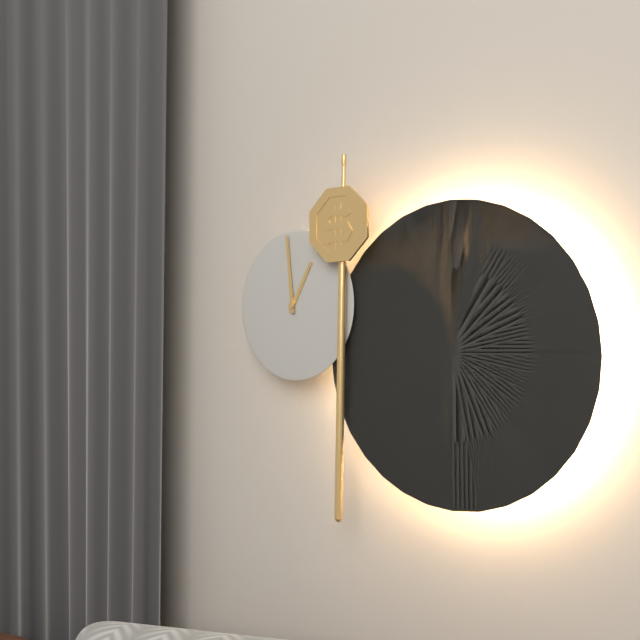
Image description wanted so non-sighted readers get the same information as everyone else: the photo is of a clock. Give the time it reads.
12:59
